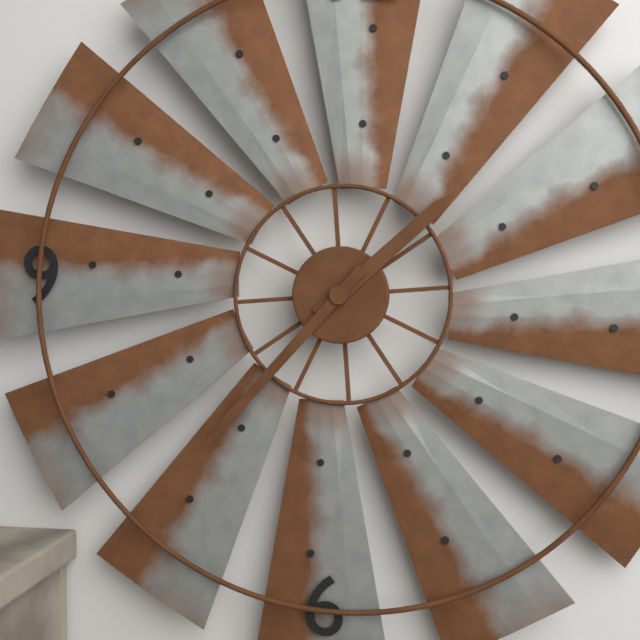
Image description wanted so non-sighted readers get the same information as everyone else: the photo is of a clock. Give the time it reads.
1:37
